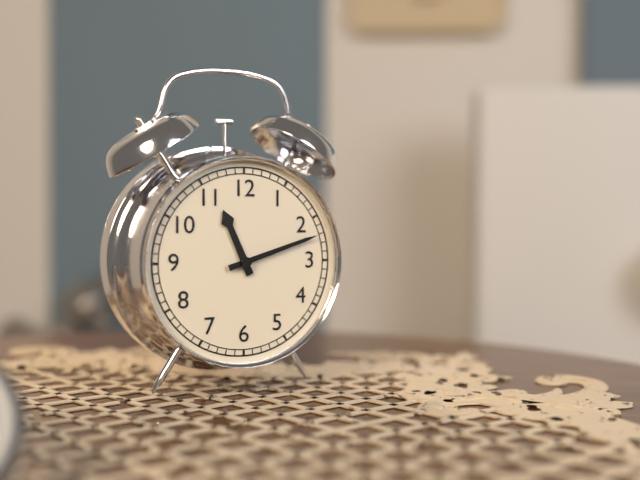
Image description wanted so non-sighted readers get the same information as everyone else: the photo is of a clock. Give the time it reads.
11:12
